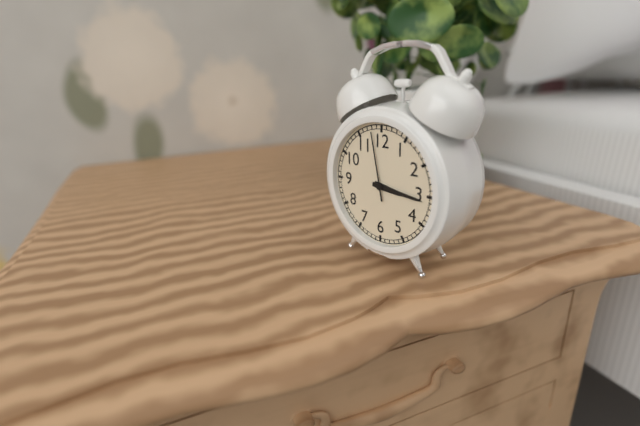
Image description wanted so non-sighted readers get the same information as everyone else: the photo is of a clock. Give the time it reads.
3:16:58
